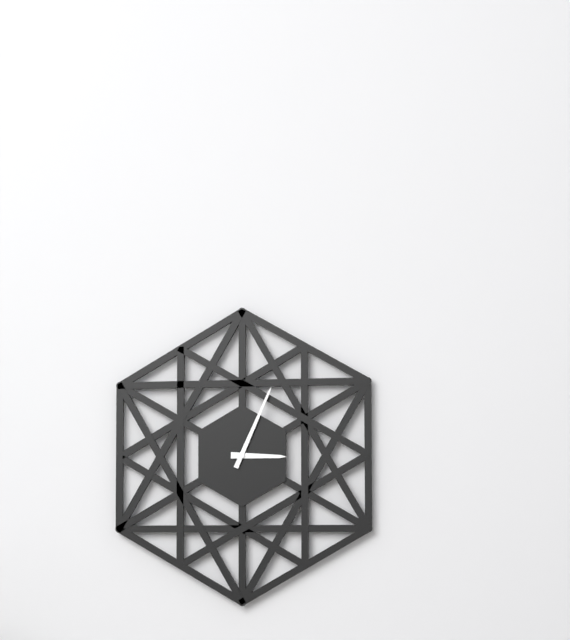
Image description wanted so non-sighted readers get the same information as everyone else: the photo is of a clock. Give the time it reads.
3:04
